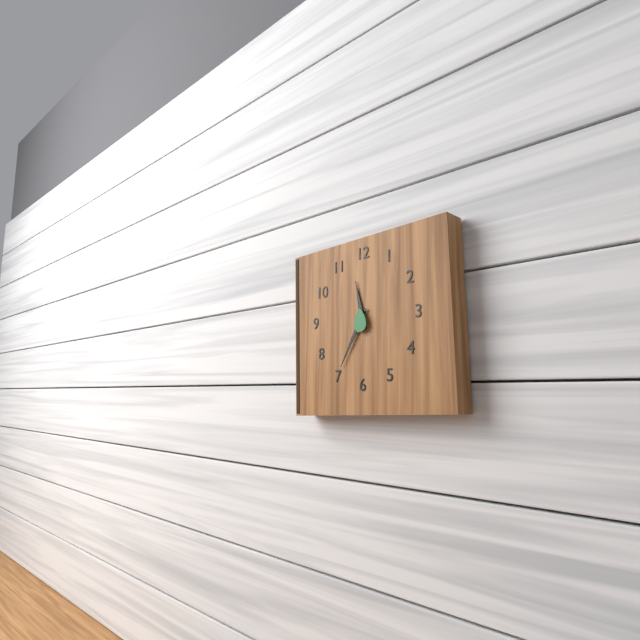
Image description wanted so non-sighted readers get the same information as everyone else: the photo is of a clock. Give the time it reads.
11:35
